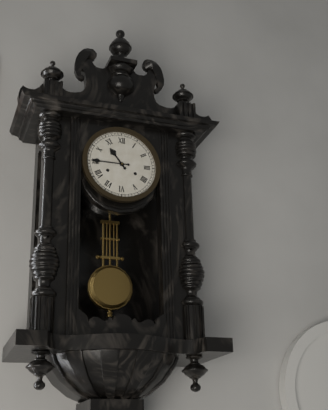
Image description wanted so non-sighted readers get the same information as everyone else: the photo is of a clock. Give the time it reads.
10:45
